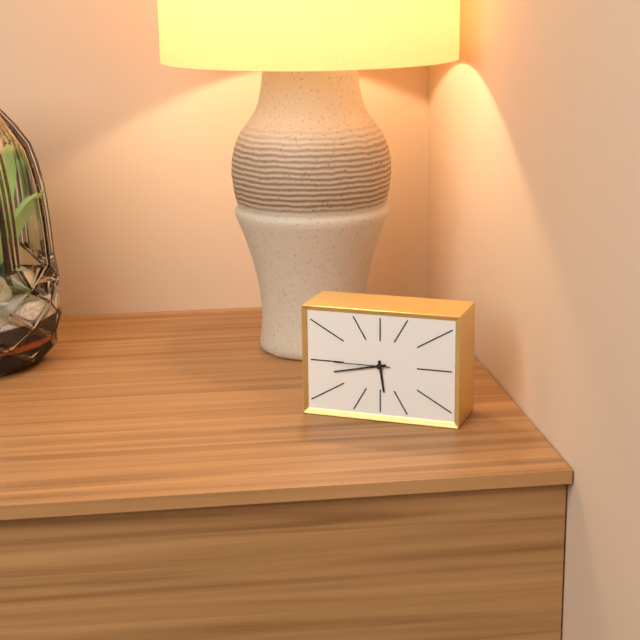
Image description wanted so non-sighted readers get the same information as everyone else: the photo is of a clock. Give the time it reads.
5:43:45
